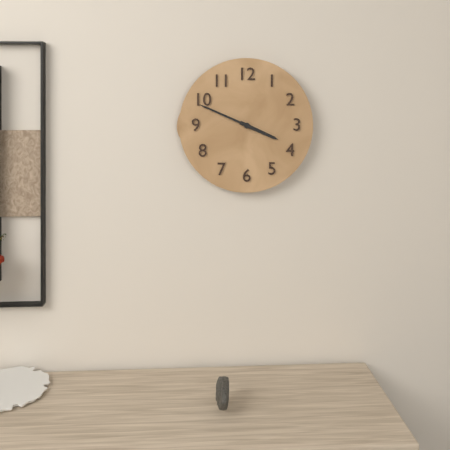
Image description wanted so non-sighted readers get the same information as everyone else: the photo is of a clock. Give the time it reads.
3:49
